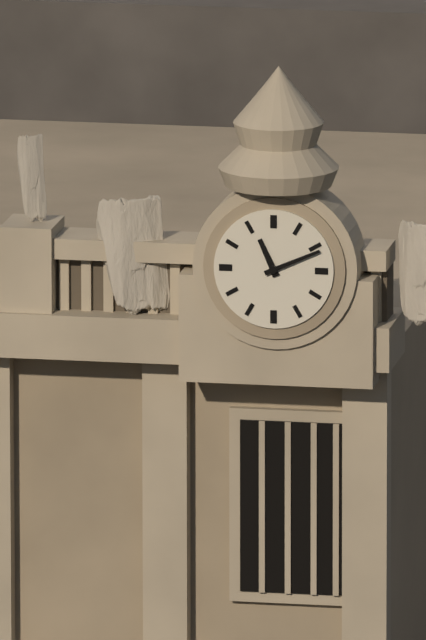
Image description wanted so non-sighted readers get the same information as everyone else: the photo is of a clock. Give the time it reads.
11:11
